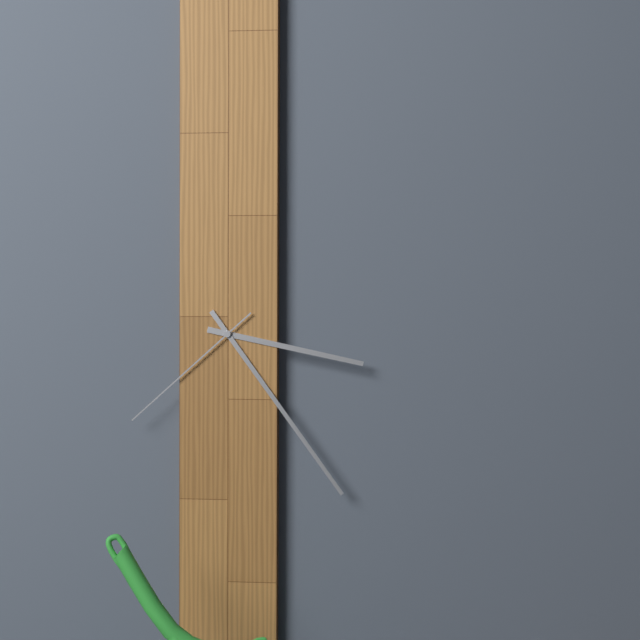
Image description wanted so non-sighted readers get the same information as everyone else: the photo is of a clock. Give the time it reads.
3:24:38
